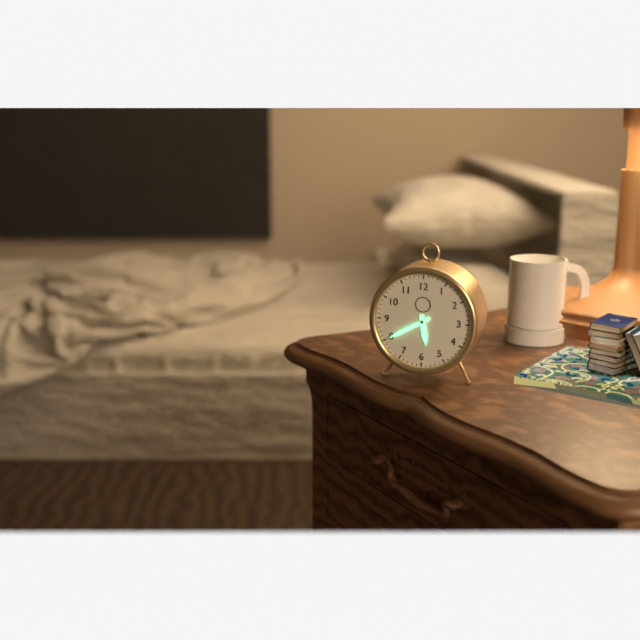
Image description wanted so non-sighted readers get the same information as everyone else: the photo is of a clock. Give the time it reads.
5:40
